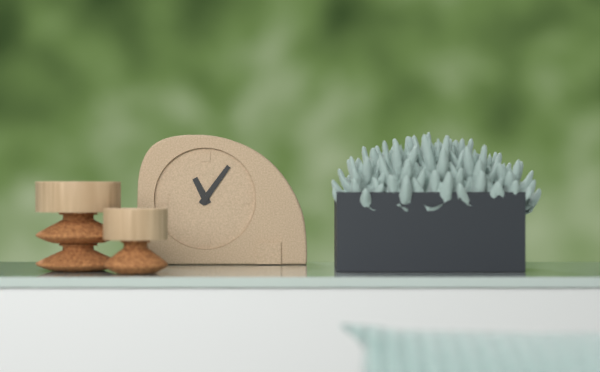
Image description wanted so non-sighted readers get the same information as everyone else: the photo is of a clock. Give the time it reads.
11:06
